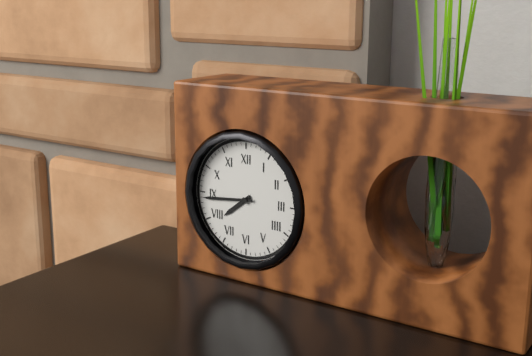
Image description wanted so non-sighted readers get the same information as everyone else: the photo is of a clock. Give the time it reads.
7:44
